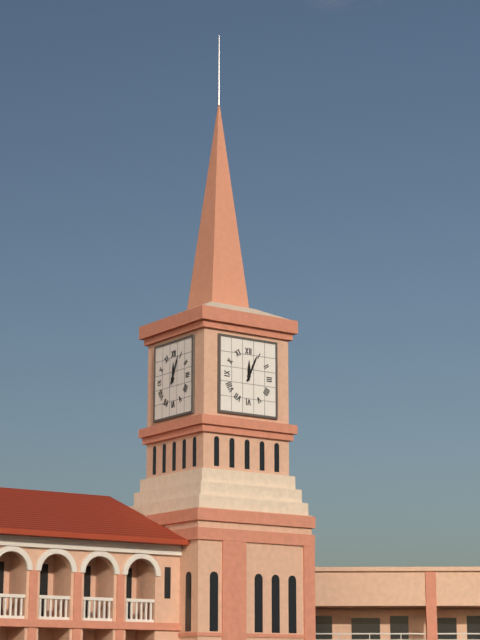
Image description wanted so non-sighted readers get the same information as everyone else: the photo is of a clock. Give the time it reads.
12:04
